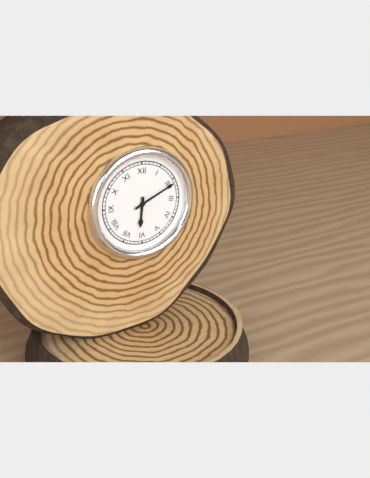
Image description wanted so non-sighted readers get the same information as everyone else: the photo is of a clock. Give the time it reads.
6:11
